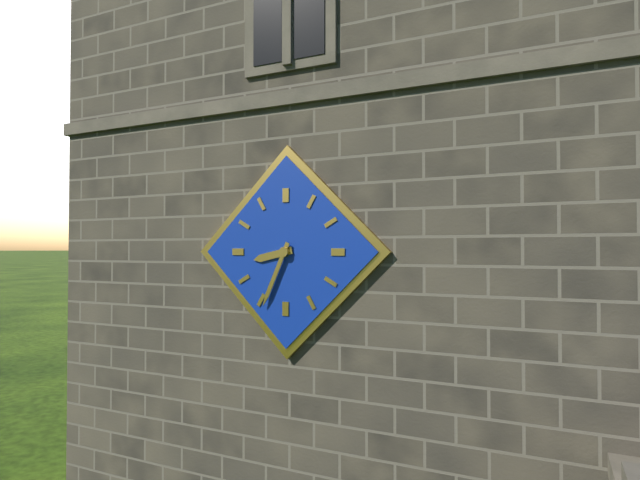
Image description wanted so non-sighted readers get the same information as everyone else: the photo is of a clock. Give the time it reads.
8:34
